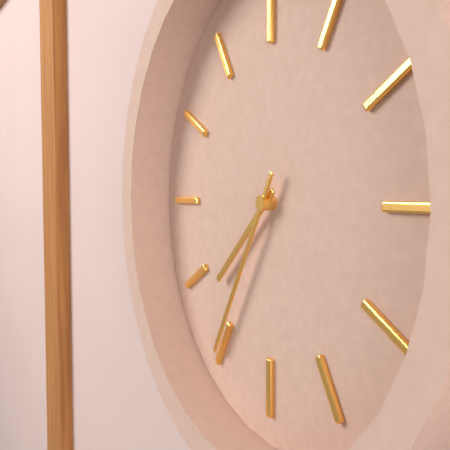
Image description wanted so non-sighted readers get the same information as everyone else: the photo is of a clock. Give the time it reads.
7:35
